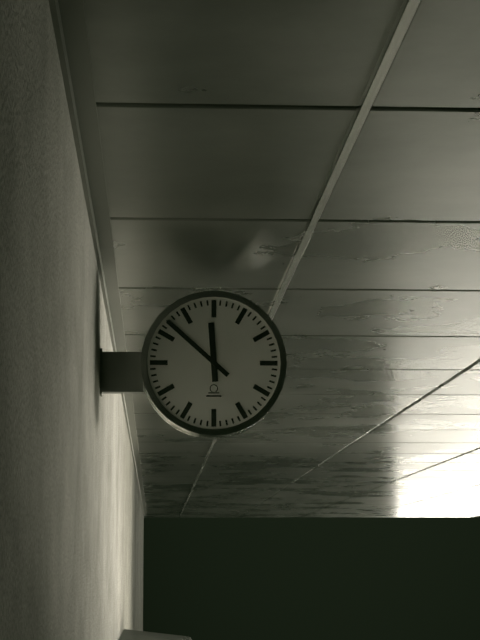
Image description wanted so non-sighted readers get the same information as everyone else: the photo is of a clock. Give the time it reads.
11:52
